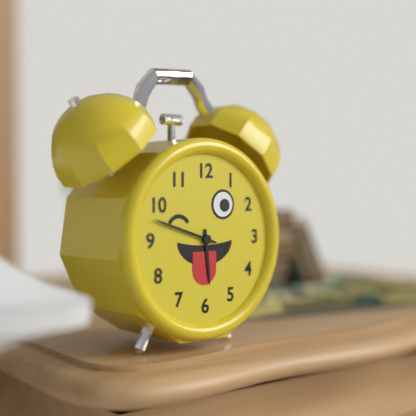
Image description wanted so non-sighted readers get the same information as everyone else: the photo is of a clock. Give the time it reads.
5:48
